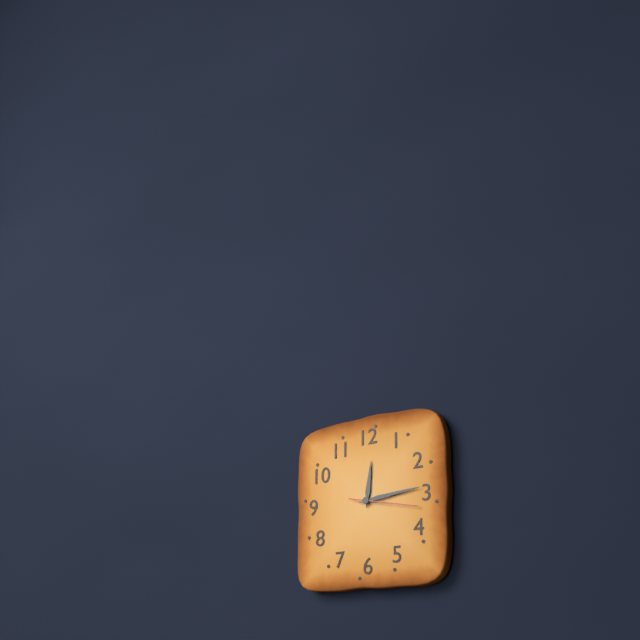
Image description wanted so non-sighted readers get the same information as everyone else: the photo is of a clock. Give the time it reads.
12:14:17
